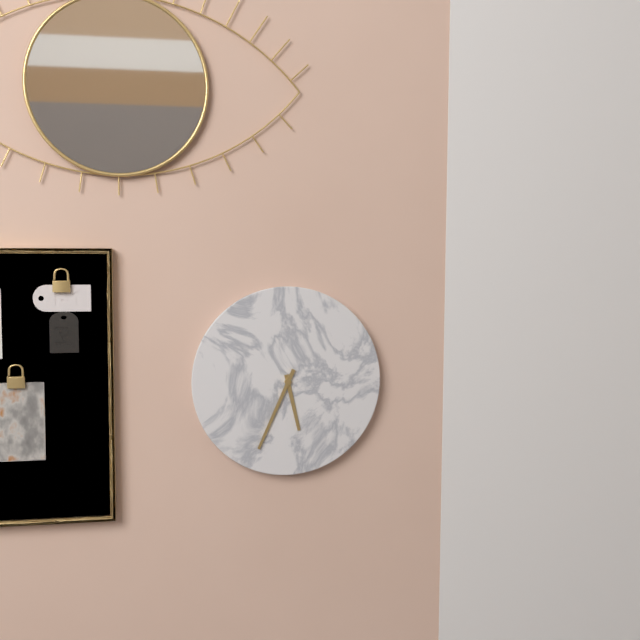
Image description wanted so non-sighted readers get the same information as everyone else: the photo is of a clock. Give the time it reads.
5:34
